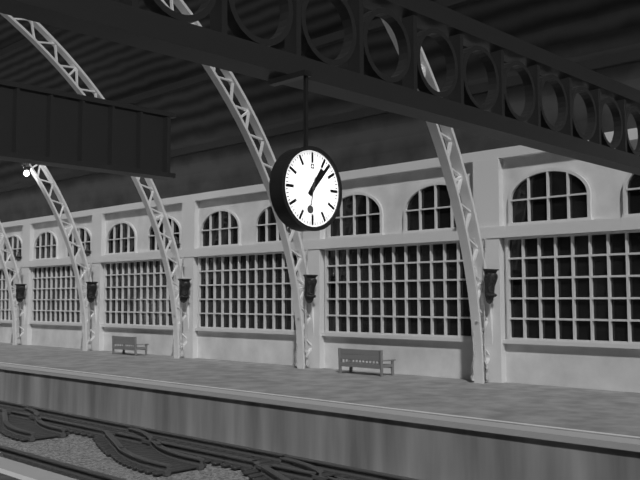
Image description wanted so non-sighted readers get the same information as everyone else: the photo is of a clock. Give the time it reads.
1:07
